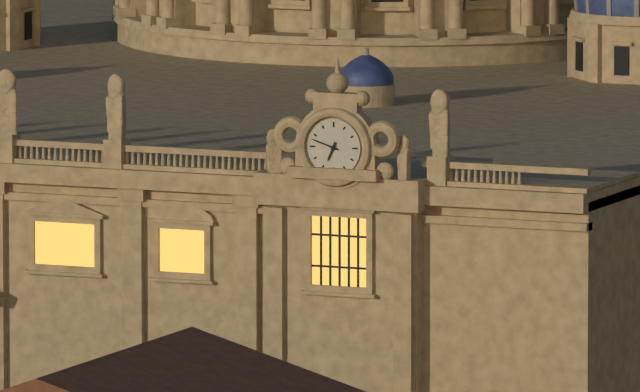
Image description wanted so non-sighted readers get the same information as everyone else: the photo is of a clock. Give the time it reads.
6:48
